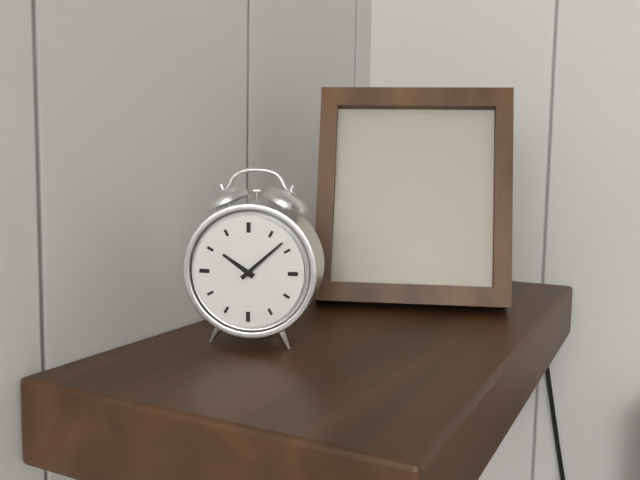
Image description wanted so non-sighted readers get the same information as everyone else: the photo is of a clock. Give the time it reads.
10:08
